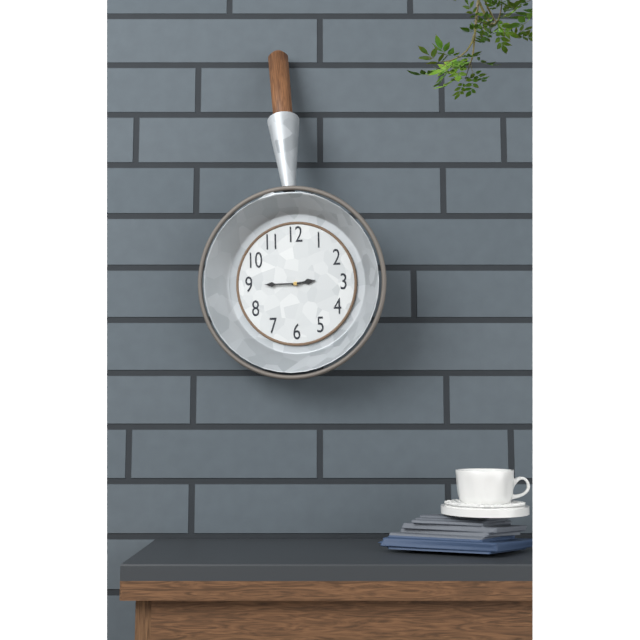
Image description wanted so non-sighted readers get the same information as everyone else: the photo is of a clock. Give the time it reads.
2:45
